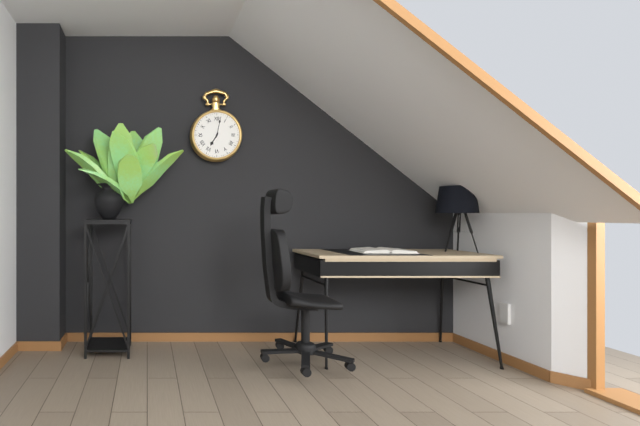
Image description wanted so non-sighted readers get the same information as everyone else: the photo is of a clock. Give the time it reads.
7:02
